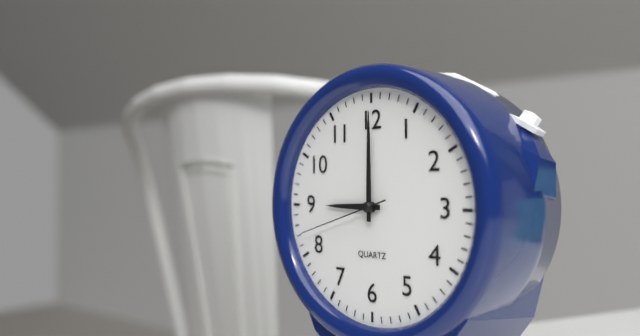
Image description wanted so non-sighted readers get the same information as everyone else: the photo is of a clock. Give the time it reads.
9:00:42
